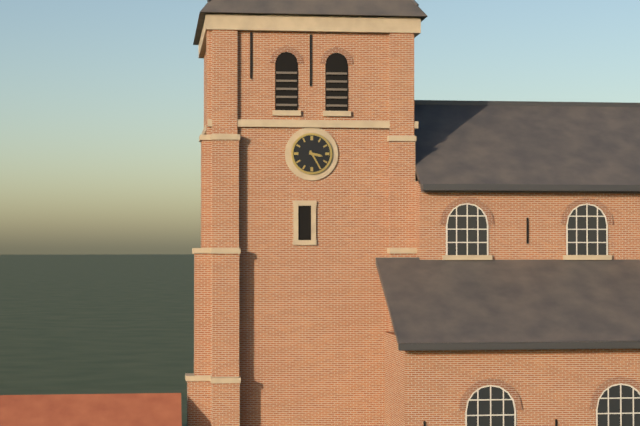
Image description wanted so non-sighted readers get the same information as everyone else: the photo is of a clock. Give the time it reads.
3:25
